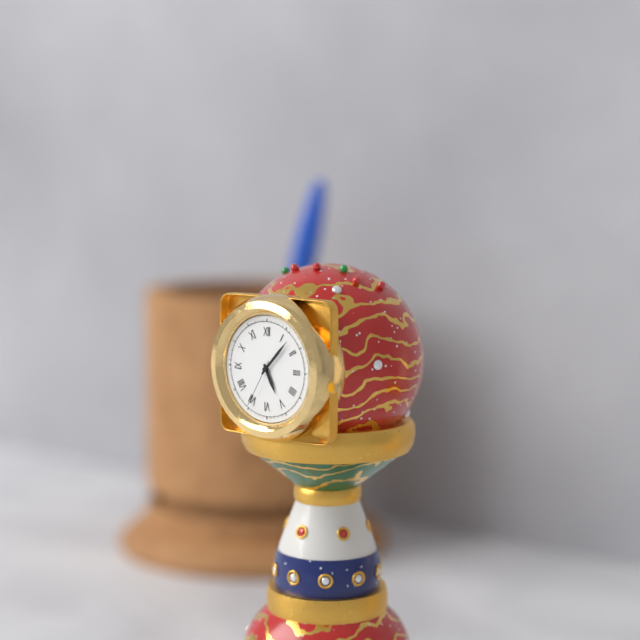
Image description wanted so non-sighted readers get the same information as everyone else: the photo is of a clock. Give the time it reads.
5:07
